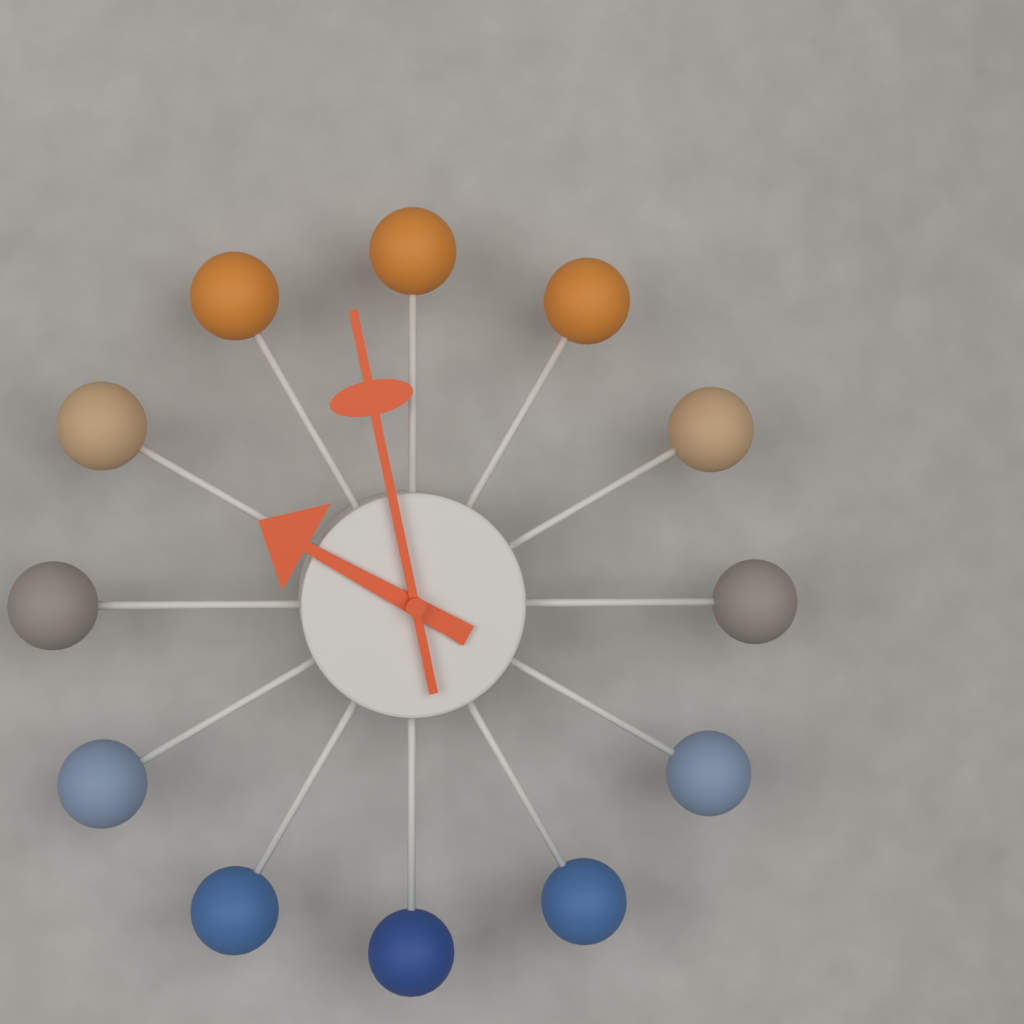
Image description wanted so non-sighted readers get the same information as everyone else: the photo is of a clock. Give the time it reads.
9:58
